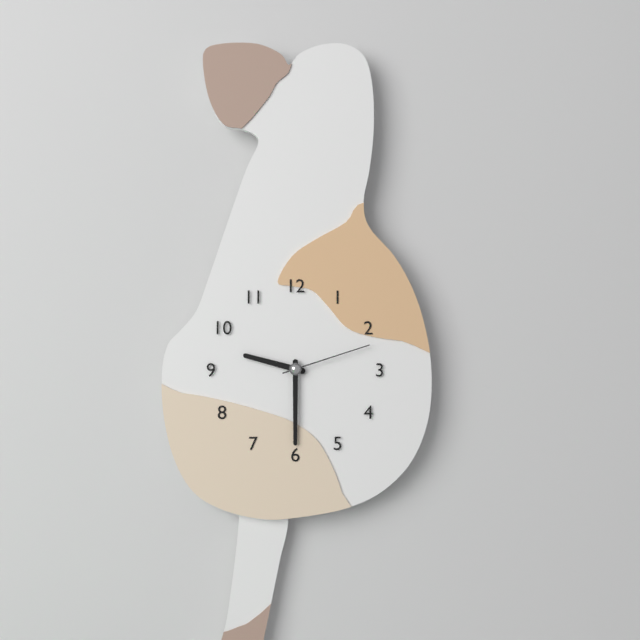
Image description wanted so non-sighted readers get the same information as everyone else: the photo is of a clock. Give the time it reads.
9:30:12
